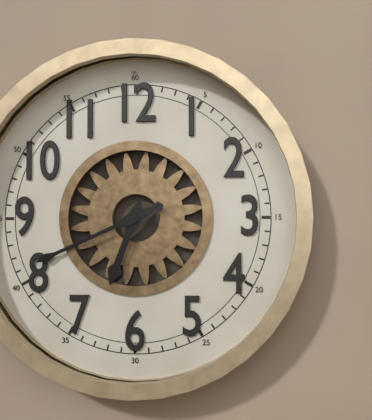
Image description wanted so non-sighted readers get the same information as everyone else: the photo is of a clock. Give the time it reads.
6:41
